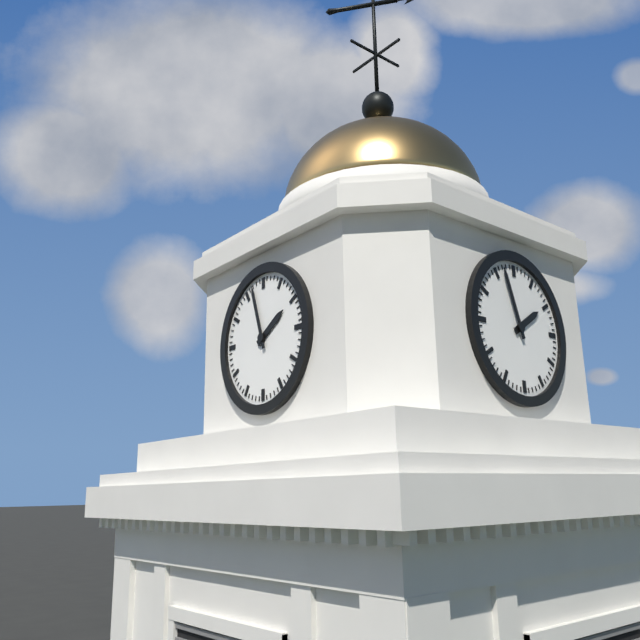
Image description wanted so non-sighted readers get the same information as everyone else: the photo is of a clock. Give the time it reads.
1:57
